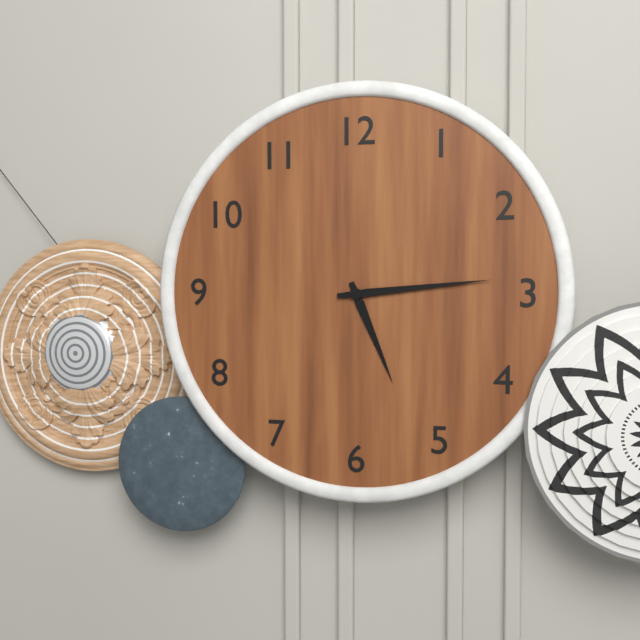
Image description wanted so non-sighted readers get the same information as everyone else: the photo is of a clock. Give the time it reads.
5:14
